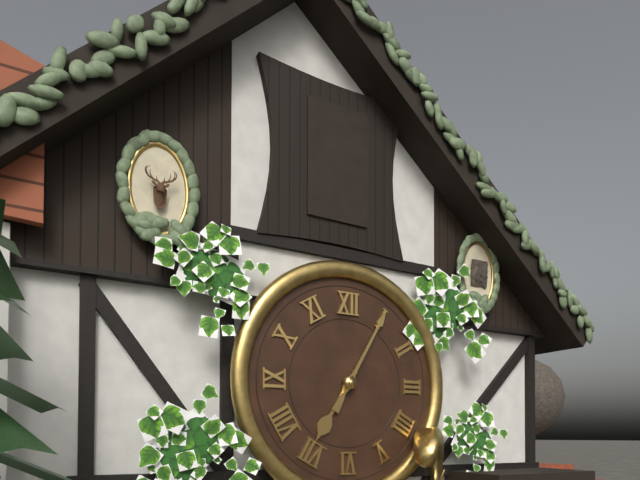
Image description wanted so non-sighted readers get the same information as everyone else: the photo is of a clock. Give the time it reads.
7:05
